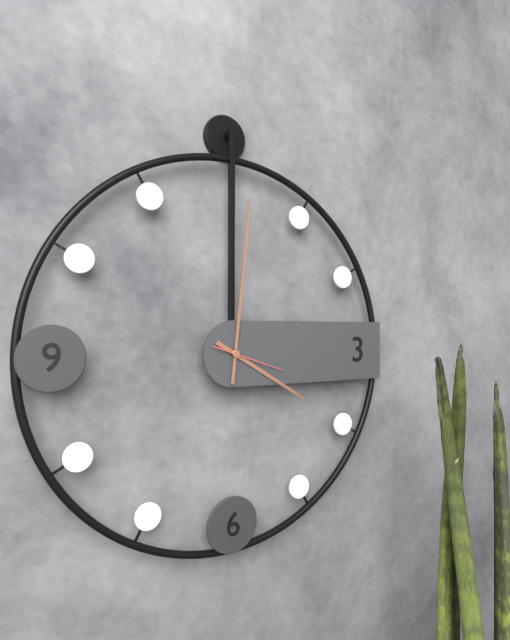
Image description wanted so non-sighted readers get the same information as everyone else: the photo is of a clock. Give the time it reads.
4:01:18
